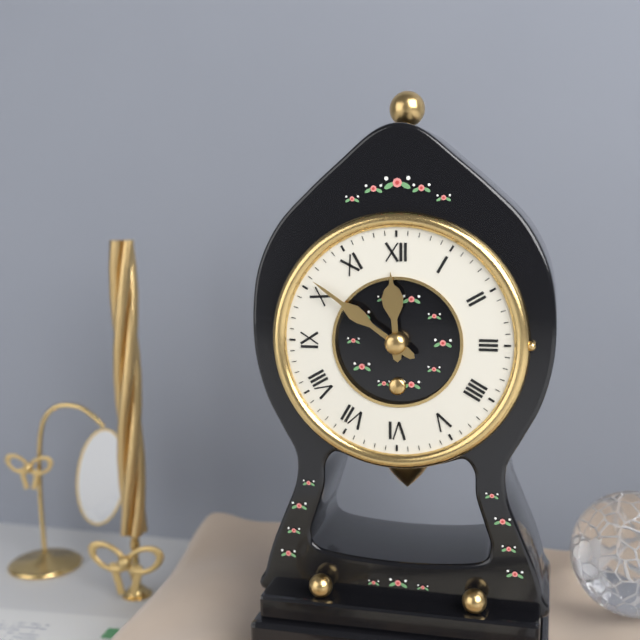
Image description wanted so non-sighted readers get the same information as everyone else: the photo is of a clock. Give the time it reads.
11:51
